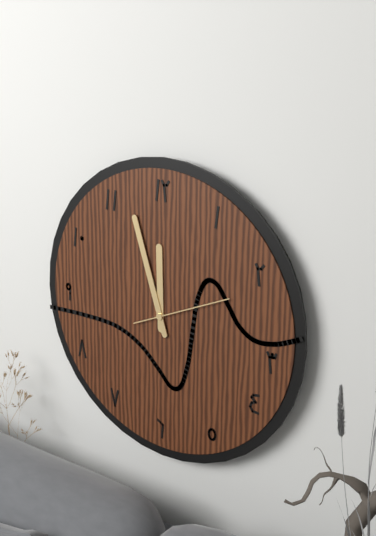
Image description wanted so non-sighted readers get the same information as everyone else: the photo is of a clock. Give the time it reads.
11:57:11
